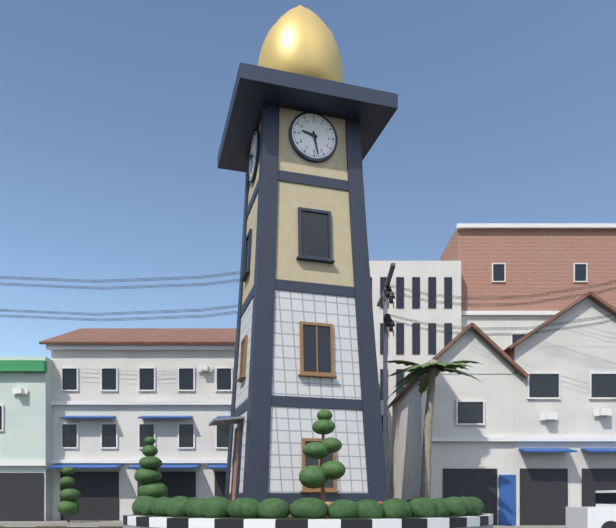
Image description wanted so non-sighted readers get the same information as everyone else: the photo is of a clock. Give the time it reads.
9:28
